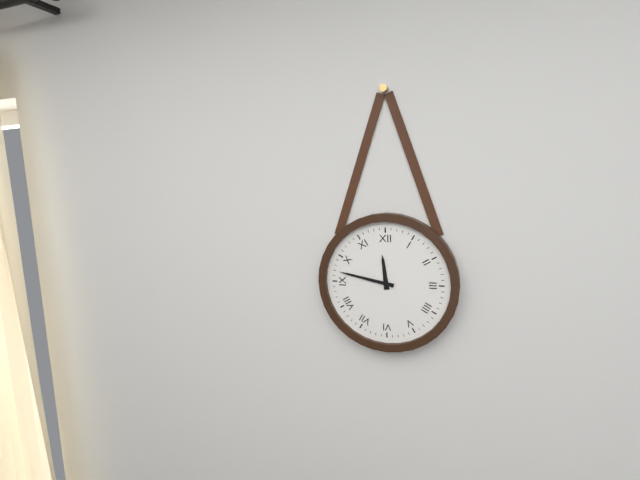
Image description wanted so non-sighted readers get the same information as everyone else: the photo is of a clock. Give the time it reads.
11:47
